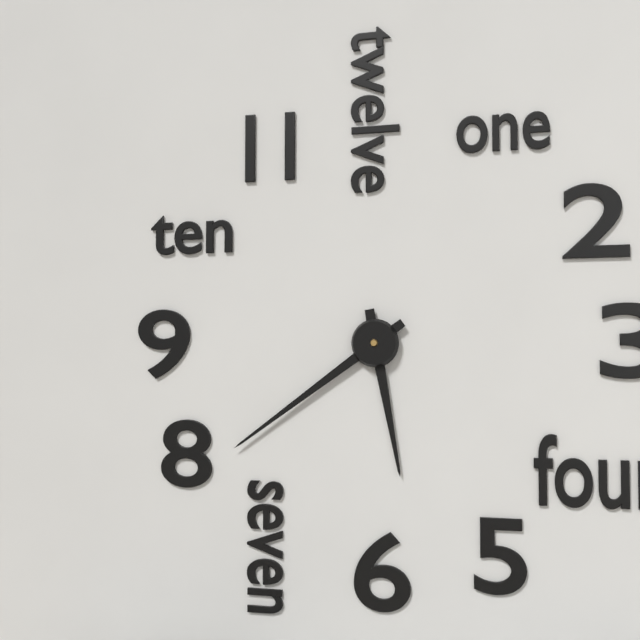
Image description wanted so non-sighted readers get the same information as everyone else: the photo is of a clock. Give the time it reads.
5:39
